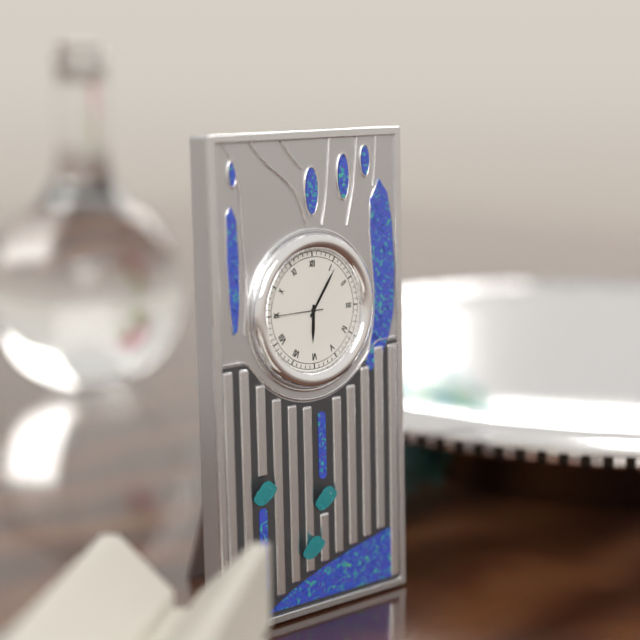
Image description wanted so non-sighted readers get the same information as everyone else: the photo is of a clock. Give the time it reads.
6:06
